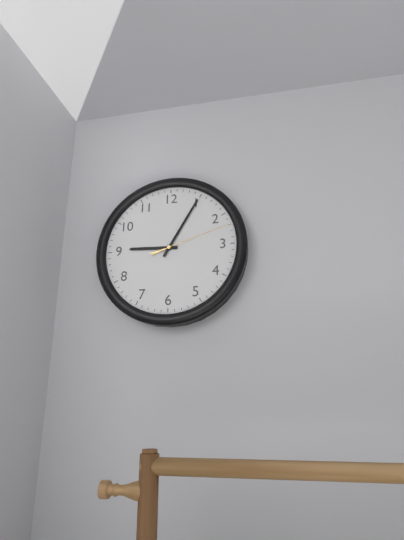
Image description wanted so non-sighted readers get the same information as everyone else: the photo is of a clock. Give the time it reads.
9:05:12
